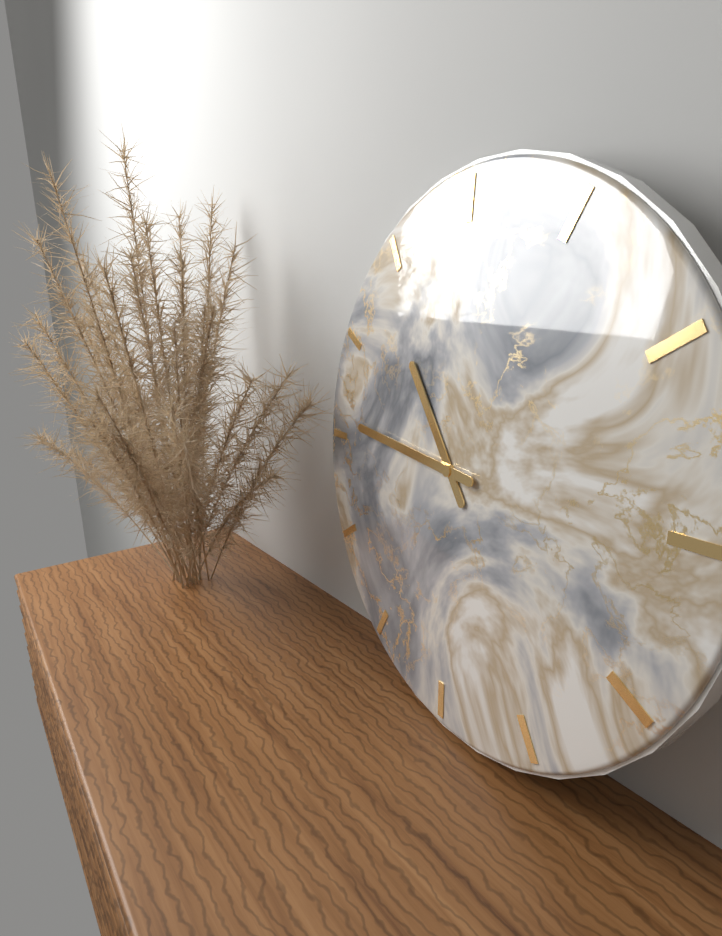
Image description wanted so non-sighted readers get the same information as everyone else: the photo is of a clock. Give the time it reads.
10:46
